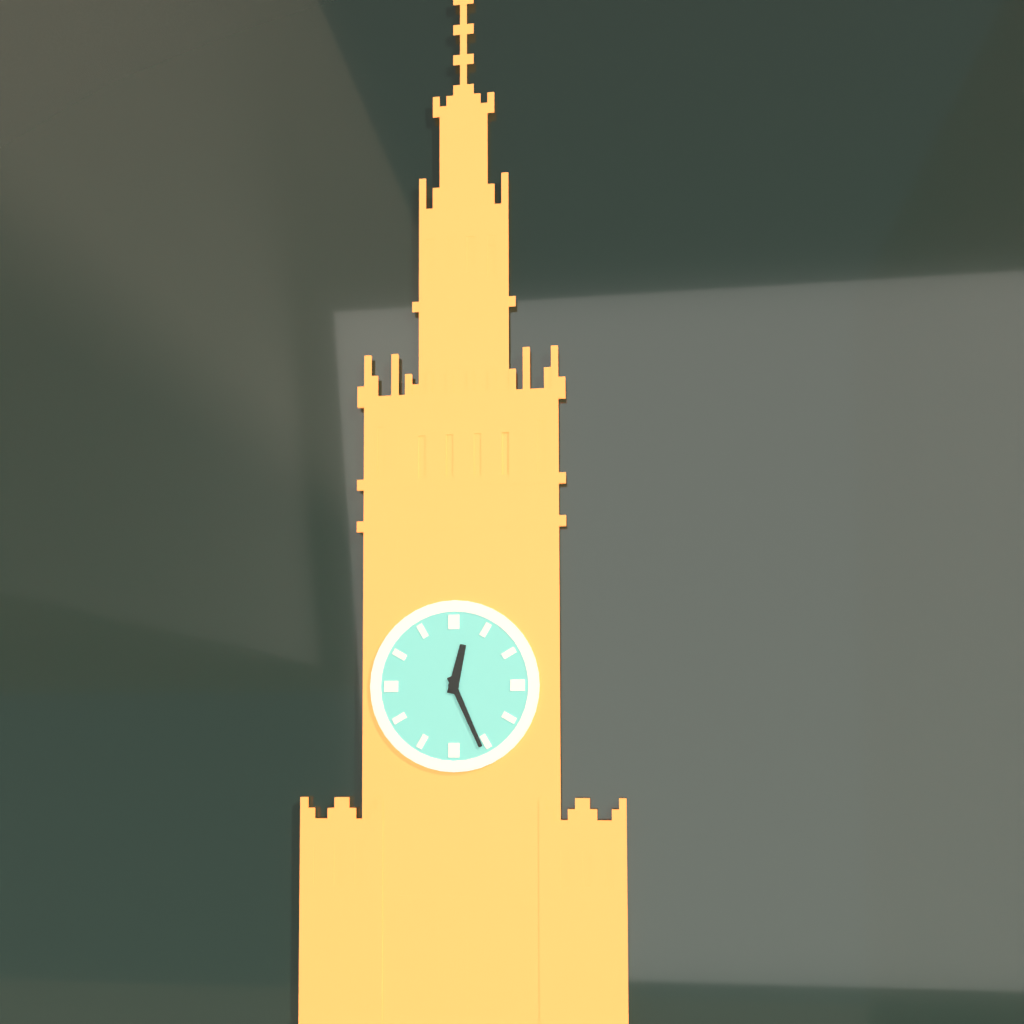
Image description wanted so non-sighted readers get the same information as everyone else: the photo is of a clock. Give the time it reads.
12:26
